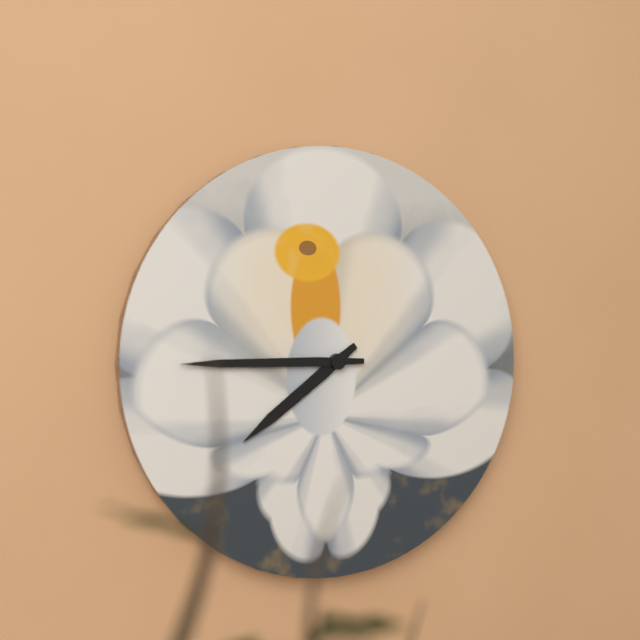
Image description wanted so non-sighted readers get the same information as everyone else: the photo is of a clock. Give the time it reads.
7:45
